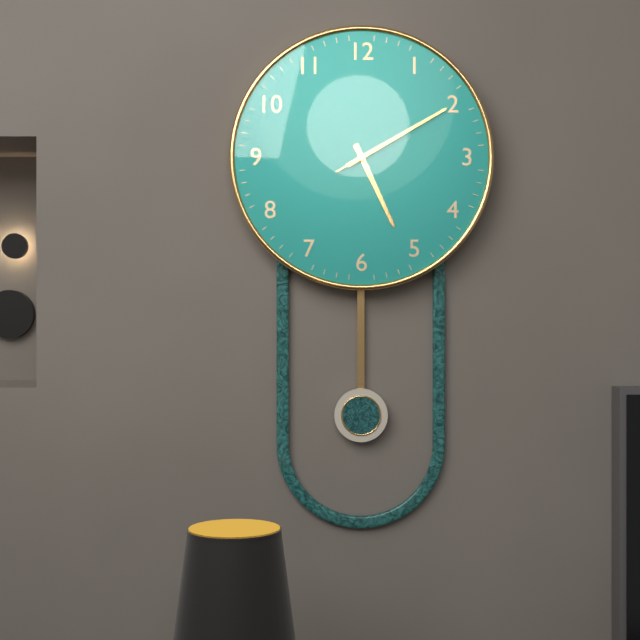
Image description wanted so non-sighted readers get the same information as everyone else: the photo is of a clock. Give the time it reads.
5:10:10
